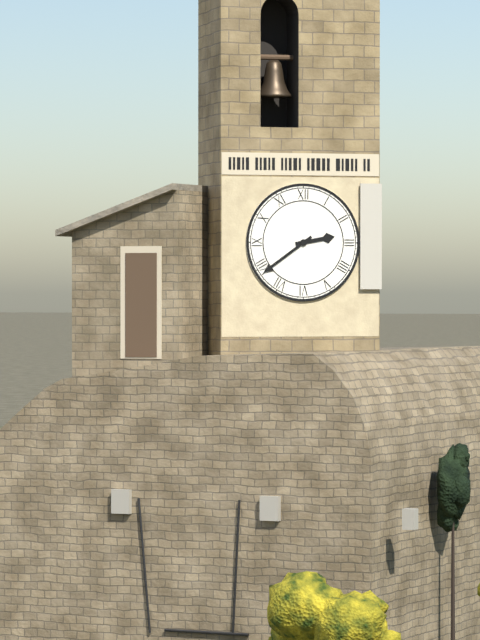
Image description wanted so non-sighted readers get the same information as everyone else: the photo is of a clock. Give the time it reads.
2:39
